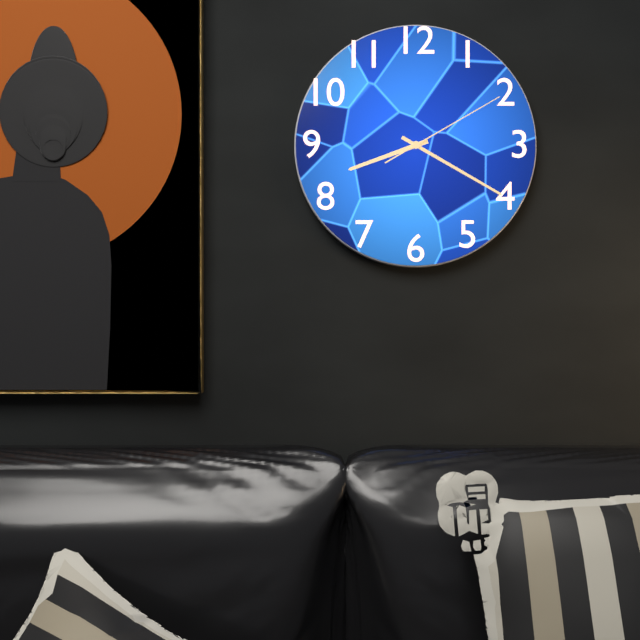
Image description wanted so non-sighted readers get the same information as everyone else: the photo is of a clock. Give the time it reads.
8:20:10
